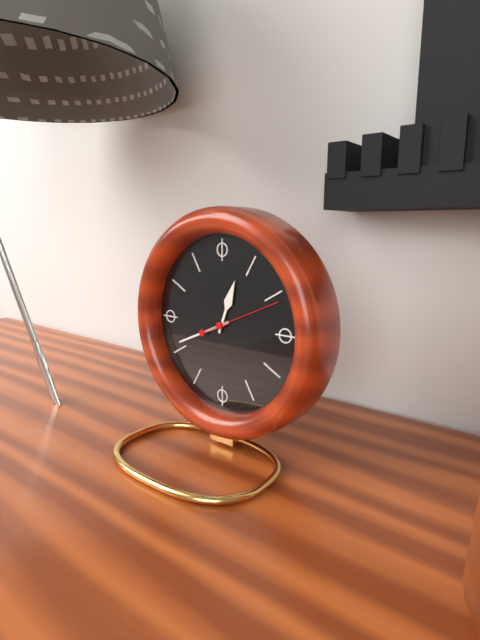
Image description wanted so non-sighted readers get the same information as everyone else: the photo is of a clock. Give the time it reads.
12:41:11
